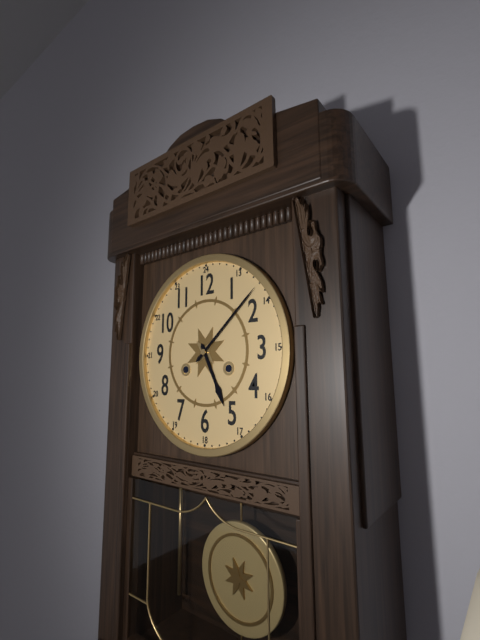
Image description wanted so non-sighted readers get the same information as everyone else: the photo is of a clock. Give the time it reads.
5:08
